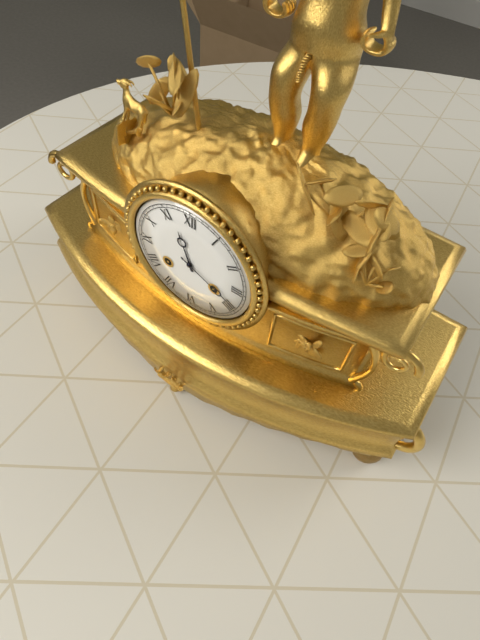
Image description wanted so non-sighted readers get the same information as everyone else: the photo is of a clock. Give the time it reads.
11:19
